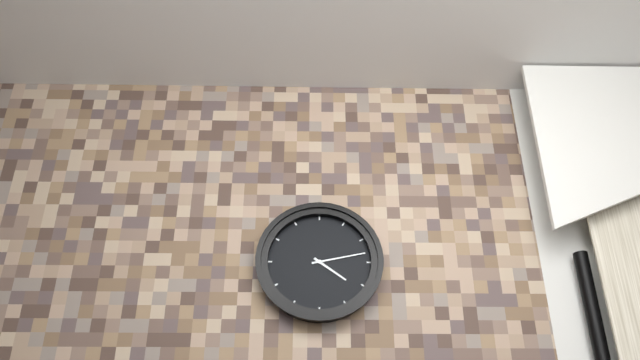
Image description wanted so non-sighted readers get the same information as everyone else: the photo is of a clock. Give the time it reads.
4:13
